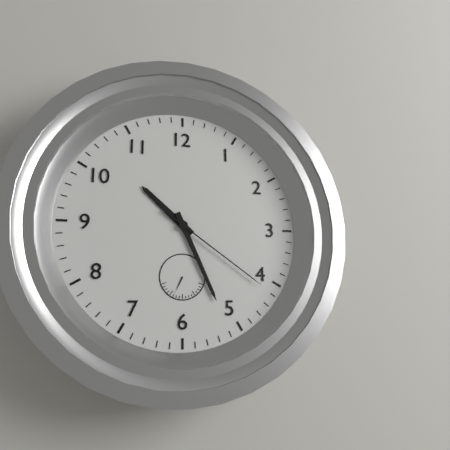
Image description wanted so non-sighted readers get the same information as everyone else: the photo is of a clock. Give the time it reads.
10:26:21
